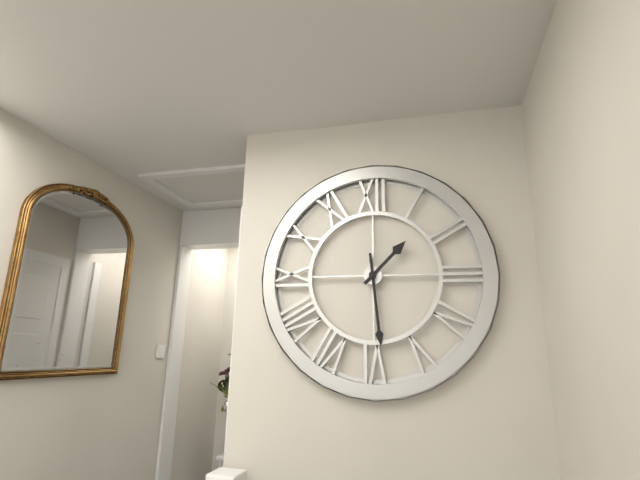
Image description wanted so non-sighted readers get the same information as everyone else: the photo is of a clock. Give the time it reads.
1:29
